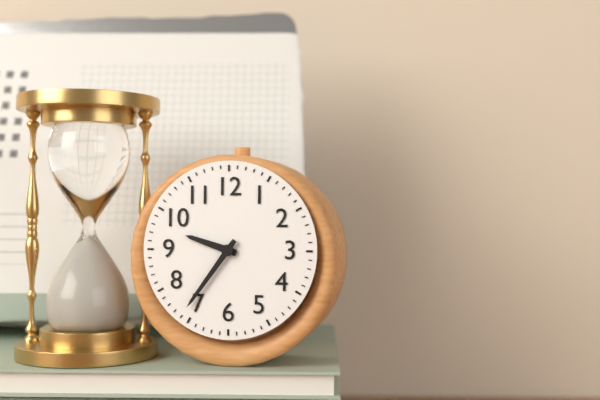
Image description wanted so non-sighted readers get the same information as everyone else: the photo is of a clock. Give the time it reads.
9:36
